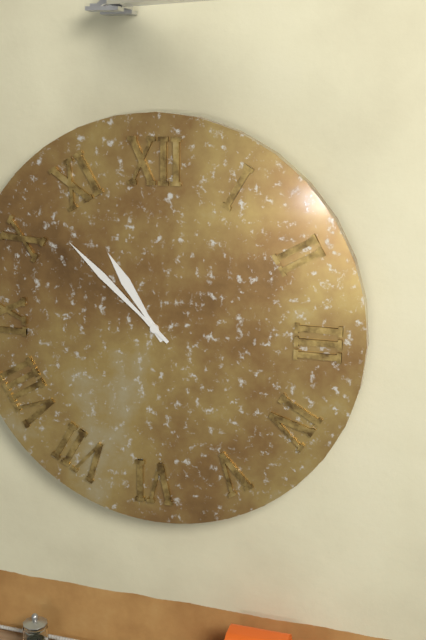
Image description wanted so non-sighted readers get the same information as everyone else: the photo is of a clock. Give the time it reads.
10:52
